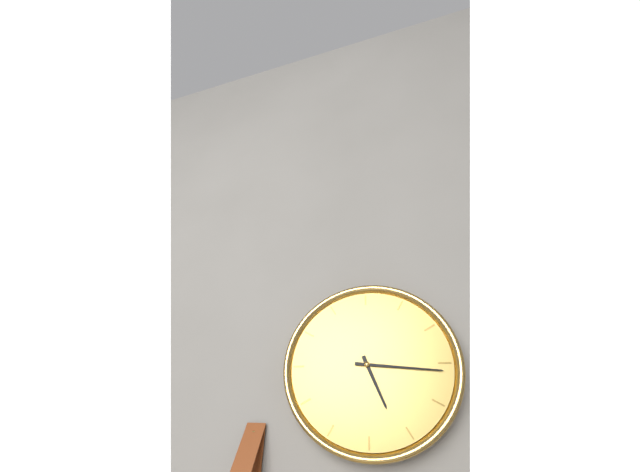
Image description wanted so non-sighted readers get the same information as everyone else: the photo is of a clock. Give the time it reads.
5:16
